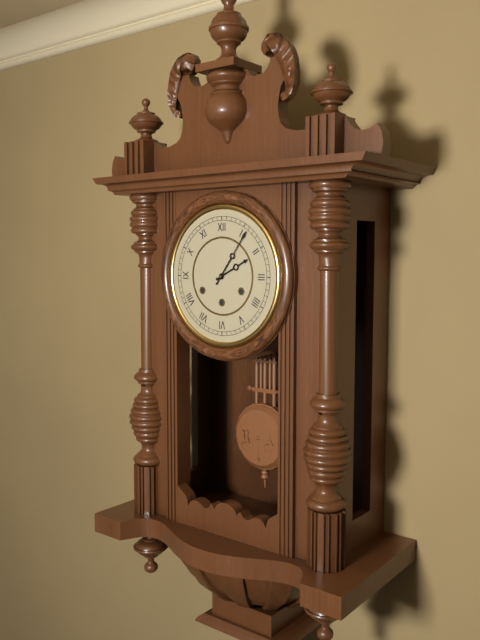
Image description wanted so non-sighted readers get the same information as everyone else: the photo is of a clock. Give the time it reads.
2:06
